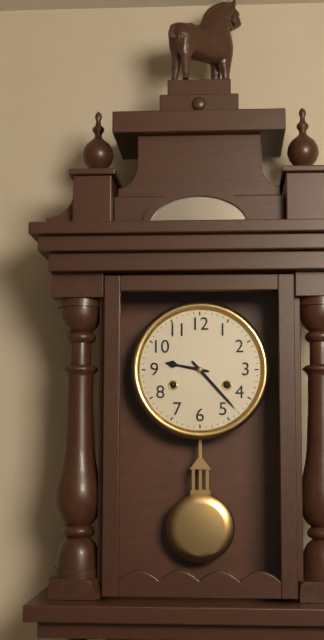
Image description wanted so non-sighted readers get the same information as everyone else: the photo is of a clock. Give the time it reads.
9:23
